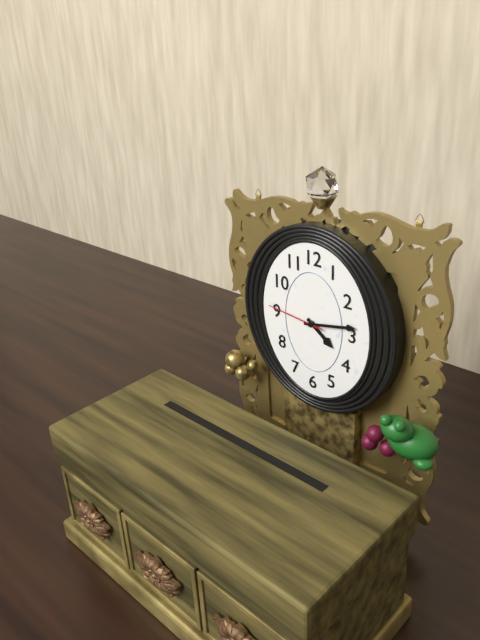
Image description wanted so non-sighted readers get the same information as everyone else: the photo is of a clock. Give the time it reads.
4:13:46
